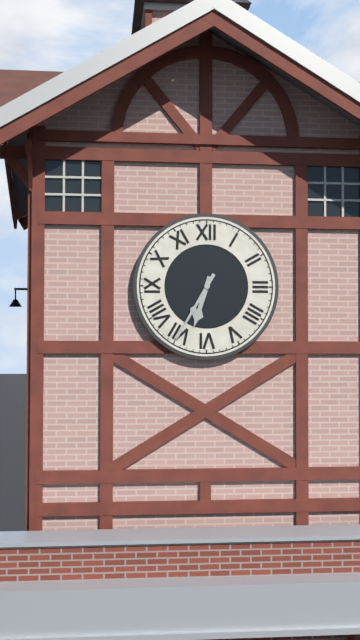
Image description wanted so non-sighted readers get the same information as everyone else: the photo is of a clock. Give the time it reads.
6:35
